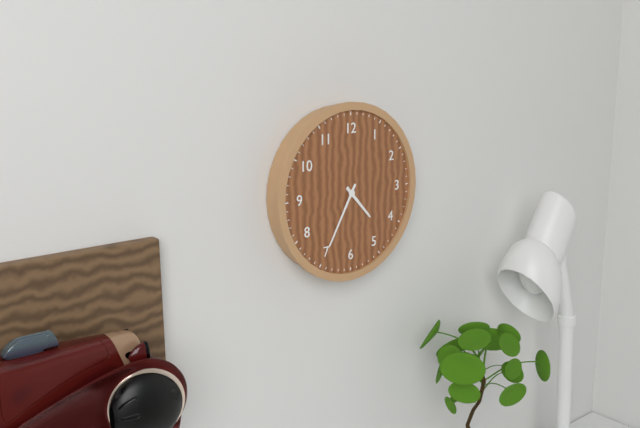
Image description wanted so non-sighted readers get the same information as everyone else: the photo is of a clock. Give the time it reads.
4:35
